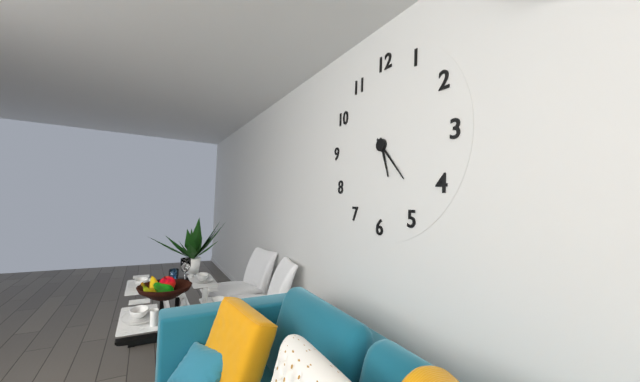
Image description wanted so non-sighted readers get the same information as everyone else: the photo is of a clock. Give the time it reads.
5:23
